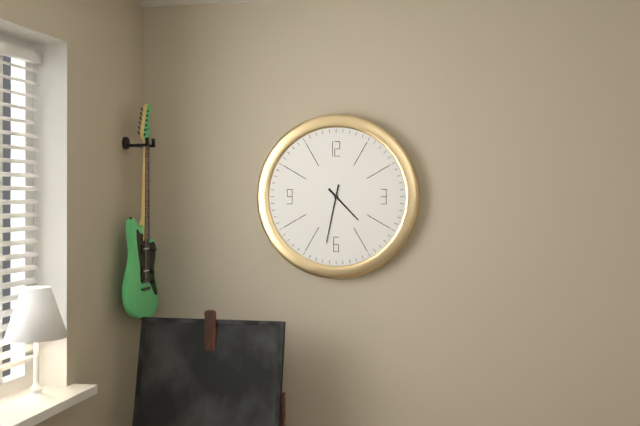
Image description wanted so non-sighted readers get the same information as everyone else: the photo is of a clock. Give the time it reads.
4:32
